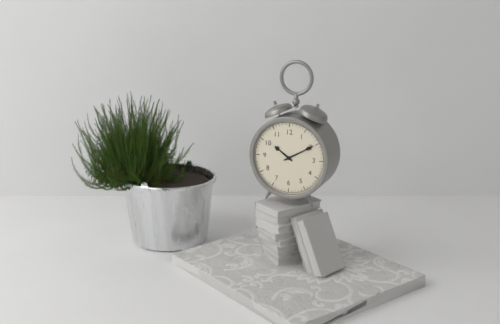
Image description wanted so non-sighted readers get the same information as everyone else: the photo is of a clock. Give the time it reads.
10:10
